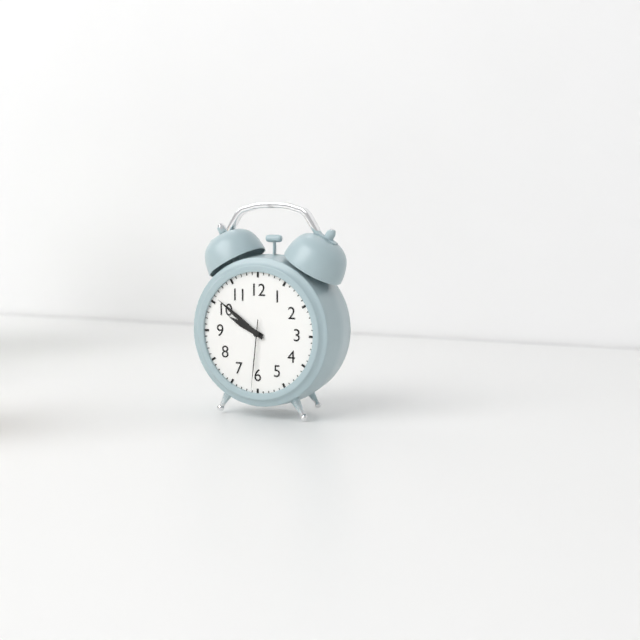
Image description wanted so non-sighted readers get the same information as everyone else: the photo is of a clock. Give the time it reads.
9:51:31
